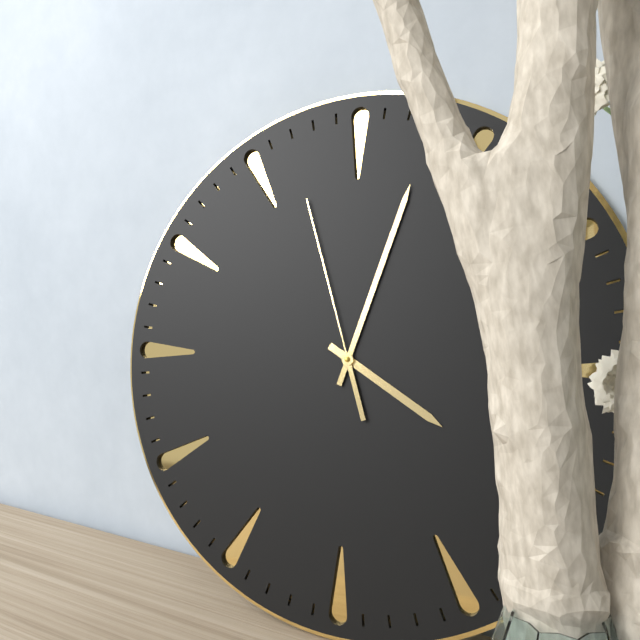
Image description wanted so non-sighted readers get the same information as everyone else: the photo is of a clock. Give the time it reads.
4:03:57
